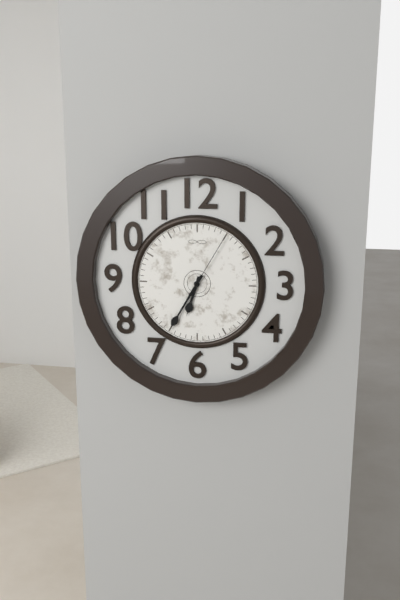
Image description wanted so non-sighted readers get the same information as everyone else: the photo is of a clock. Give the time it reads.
6:35:05
